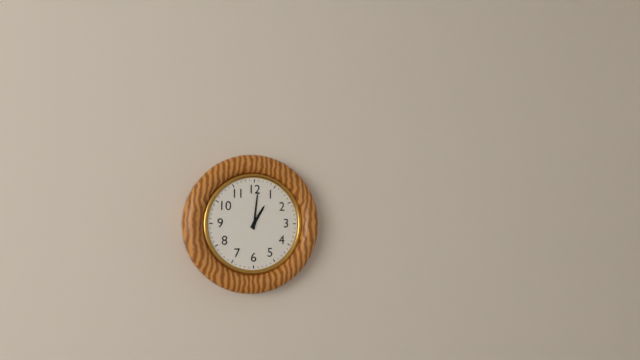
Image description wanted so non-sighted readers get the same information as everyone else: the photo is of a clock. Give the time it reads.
1:01
